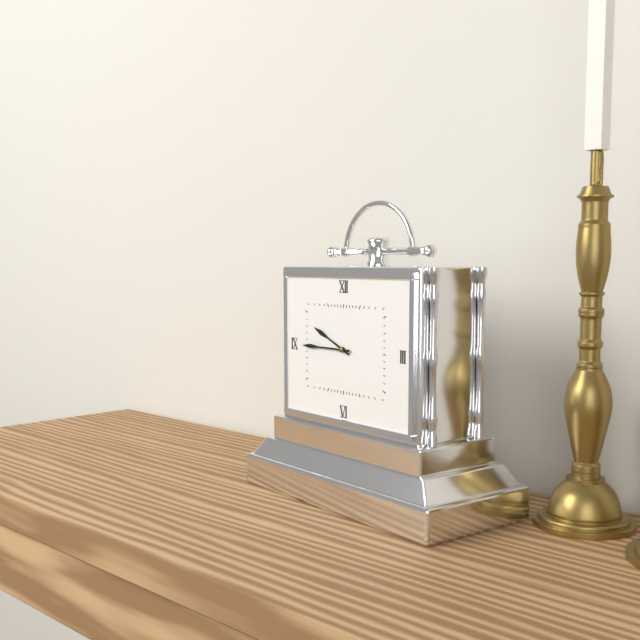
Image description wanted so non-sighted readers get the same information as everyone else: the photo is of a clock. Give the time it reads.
9:45
